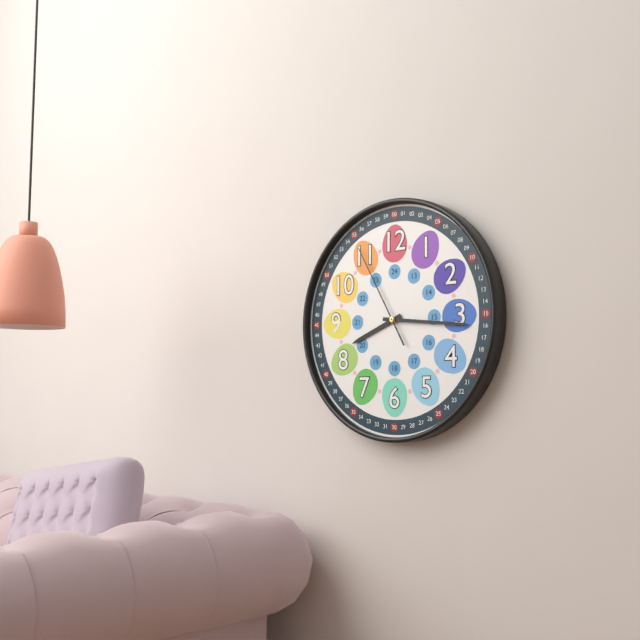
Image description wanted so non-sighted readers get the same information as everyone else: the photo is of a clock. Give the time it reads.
8:16:55
